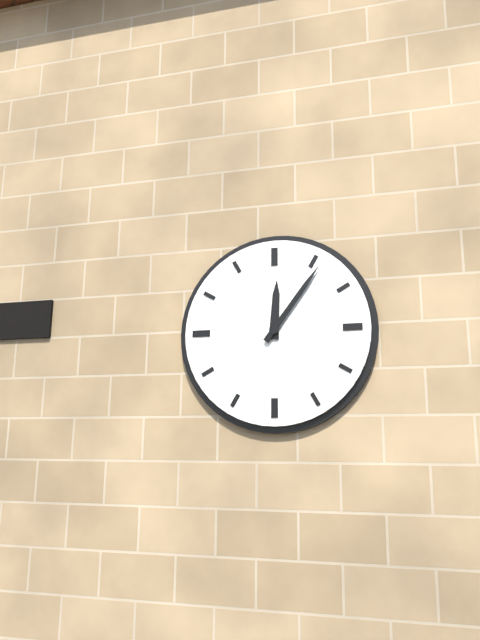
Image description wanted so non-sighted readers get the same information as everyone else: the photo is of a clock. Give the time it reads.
12:06
